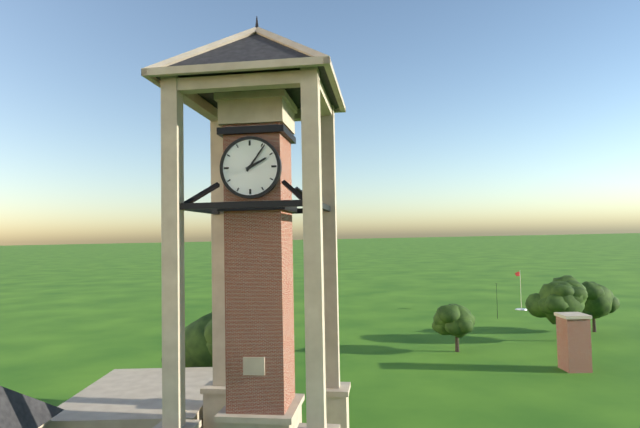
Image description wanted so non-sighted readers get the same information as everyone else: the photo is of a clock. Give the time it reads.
2:06
